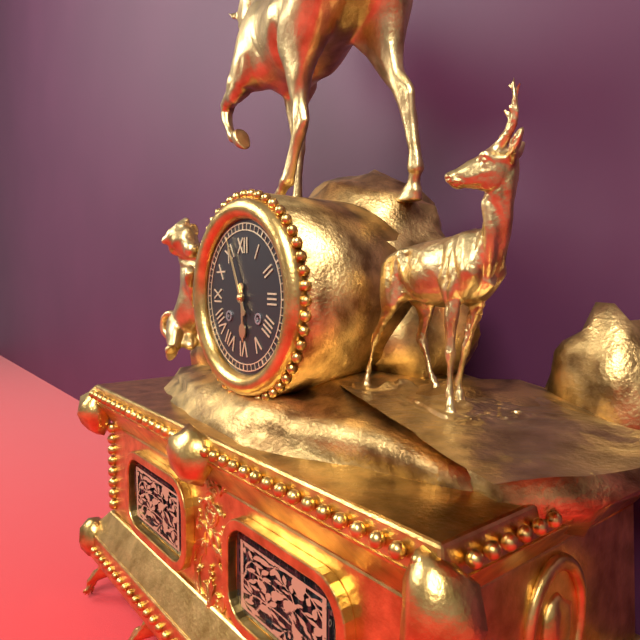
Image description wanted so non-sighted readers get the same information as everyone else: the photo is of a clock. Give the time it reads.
5:56
